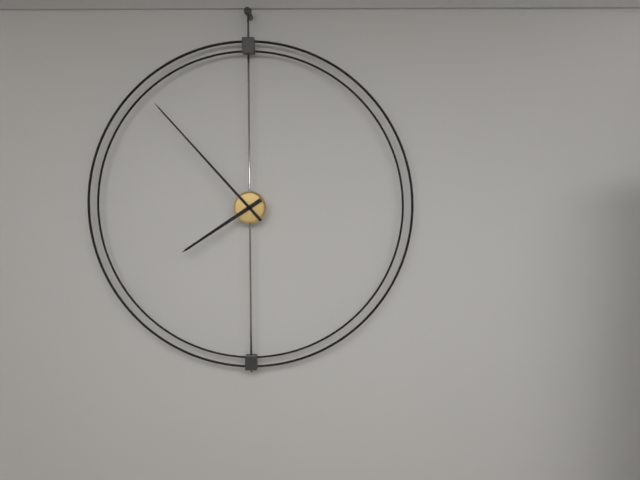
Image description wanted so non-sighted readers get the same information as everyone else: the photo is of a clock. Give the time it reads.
7:53
